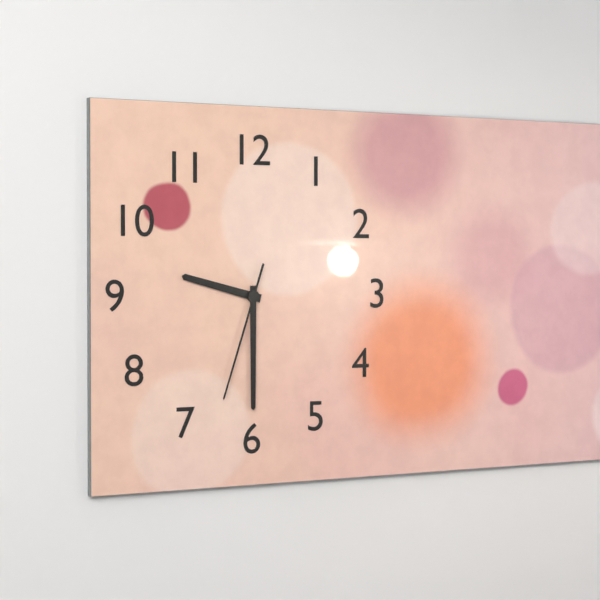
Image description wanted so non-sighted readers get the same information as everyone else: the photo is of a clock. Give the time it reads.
9:30:33
